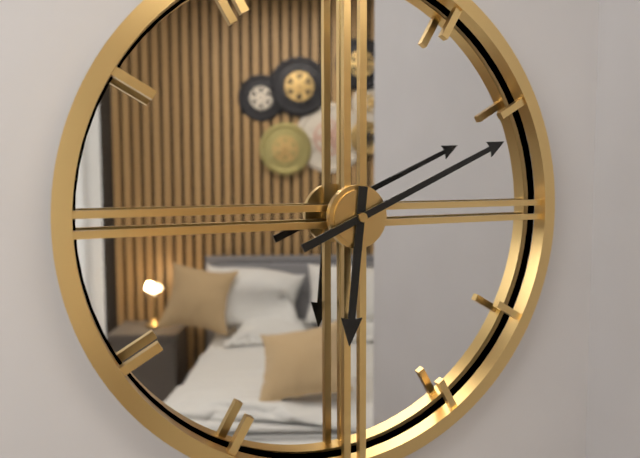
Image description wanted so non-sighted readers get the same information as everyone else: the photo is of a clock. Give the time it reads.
6:11
